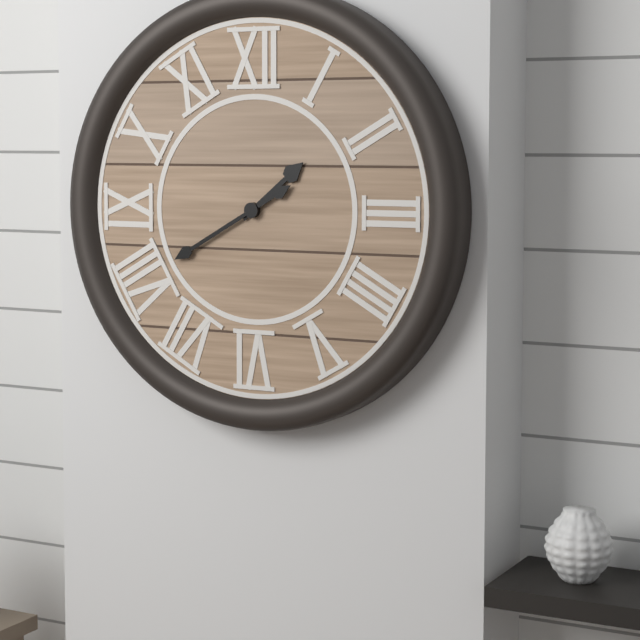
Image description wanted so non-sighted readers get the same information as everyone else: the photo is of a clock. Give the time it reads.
1:40
